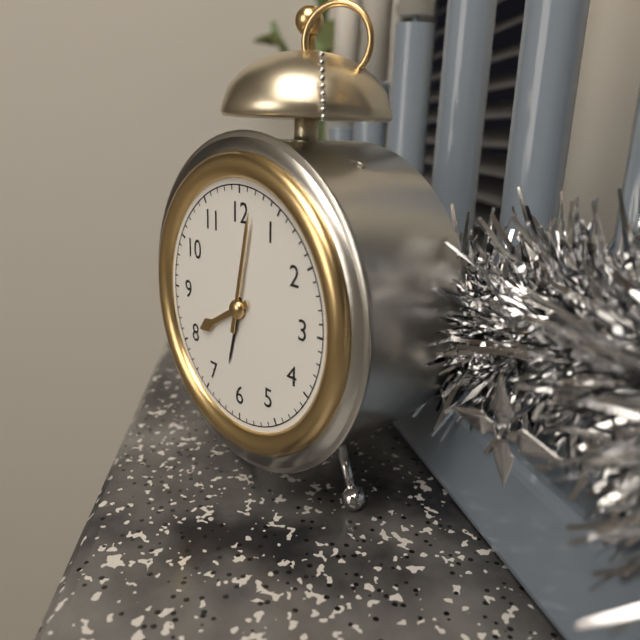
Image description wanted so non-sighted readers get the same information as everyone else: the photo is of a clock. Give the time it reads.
8:02
